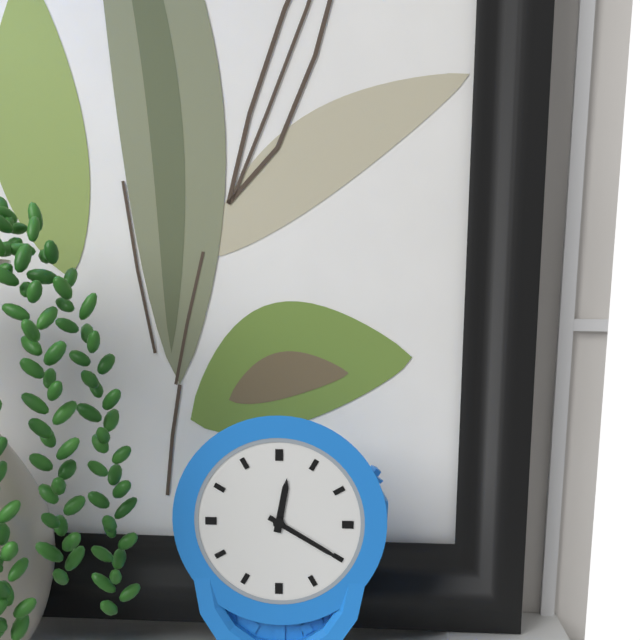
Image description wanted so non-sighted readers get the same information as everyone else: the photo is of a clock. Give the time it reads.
12:20
